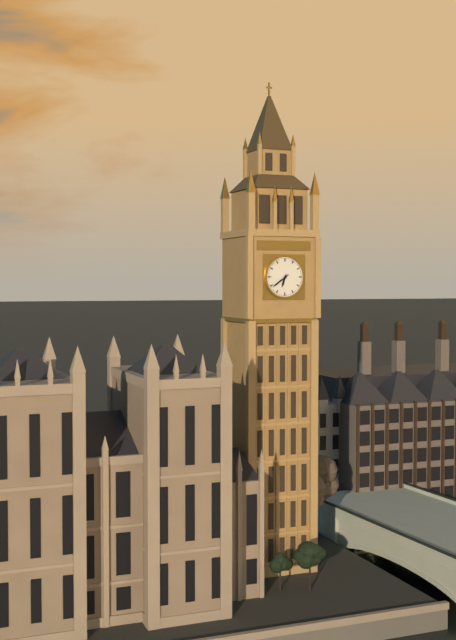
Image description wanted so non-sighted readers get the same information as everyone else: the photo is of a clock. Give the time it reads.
6:39
